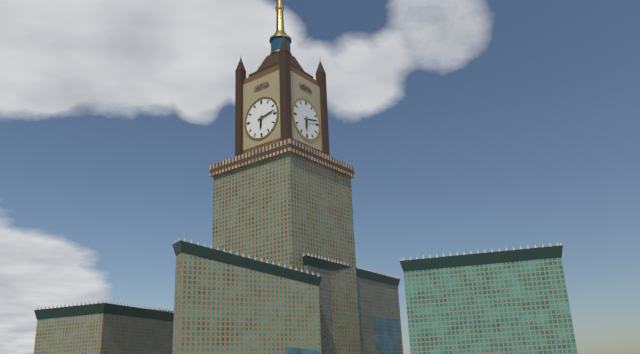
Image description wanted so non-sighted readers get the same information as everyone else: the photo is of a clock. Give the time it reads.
6:13
